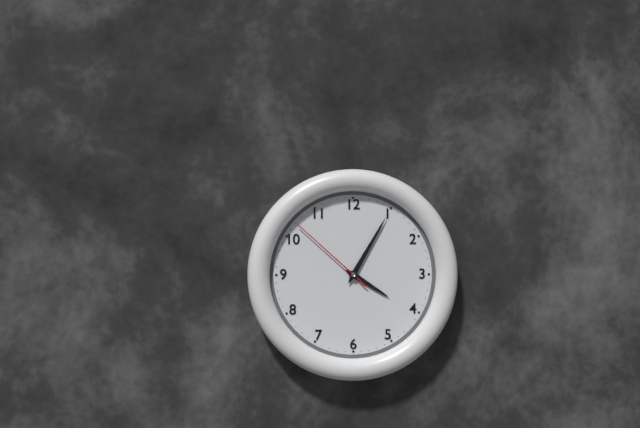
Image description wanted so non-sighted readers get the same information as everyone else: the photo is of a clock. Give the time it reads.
4:05:52
